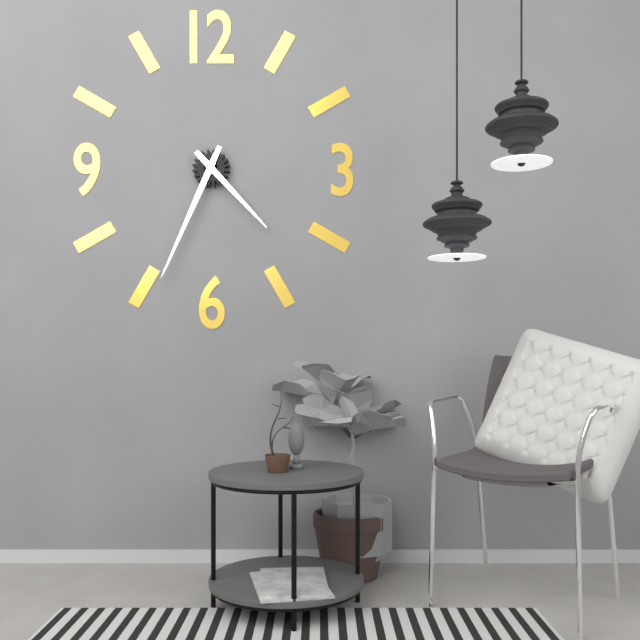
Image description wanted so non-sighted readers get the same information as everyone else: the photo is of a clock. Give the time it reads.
4:34
